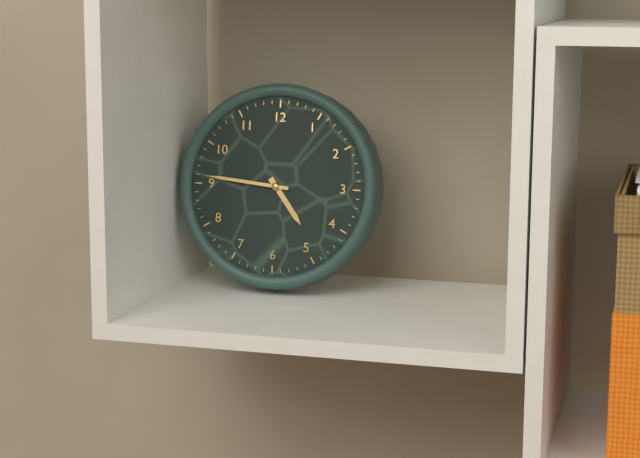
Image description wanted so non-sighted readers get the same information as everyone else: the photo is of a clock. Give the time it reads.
4:46
